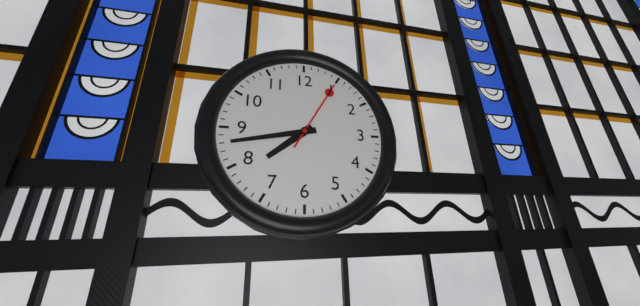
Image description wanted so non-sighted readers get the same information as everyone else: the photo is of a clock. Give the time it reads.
7:43:05
